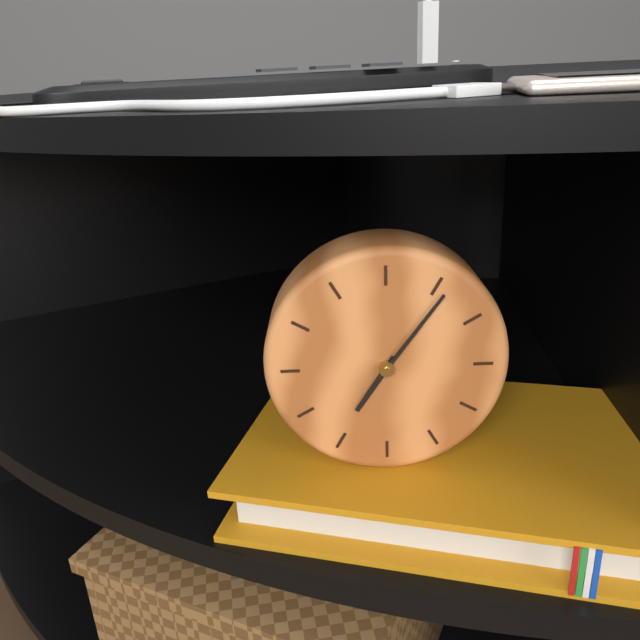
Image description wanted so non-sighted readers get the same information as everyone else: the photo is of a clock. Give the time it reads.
7:06
